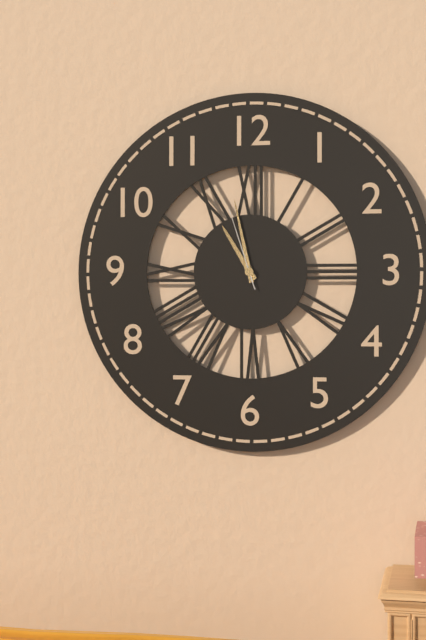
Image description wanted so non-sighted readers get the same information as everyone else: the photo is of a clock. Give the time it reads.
10:58:57
